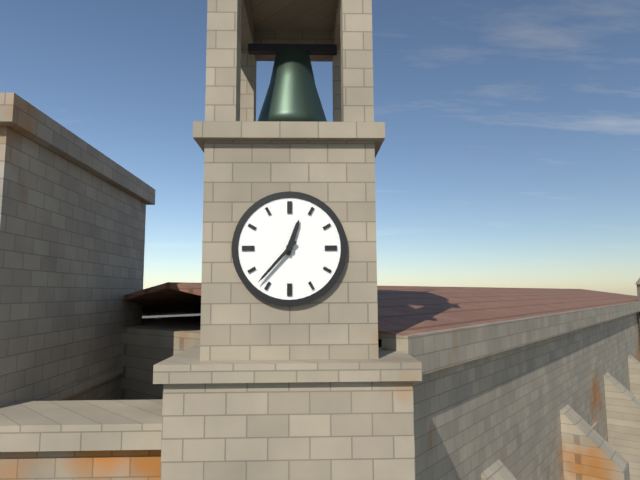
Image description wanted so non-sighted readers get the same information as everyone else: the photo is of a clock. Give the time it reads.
12:37
